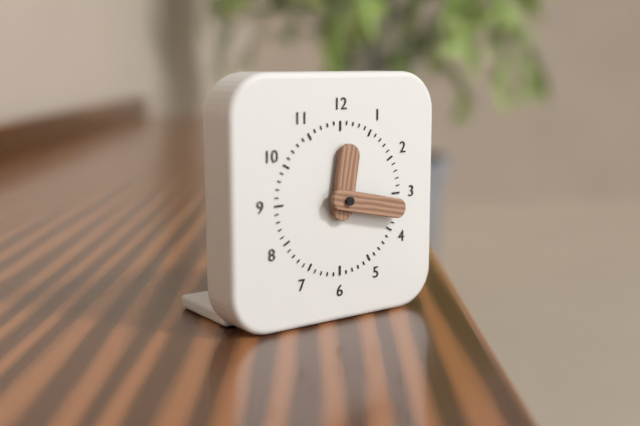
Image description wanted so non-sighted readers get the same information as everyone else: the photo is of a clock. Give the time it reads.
12:17
